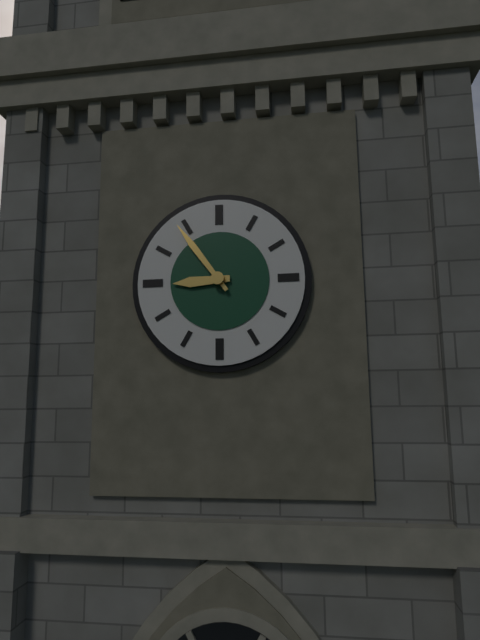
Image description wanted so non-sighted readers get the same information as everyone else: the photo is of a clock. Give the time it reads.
8:54
